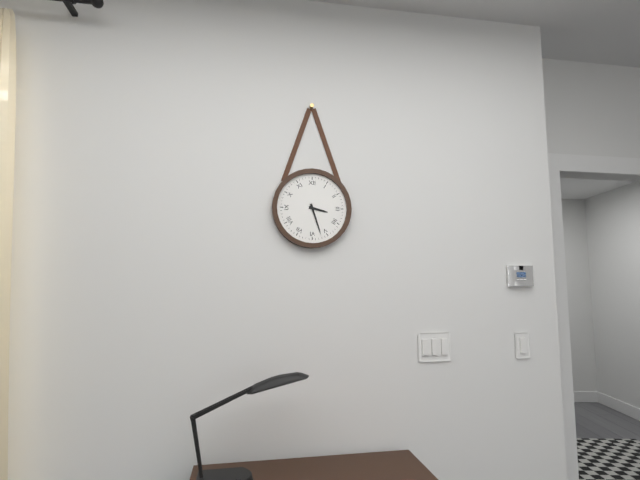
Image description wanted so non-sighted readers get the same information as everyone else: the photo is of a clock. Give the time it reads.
3:27
